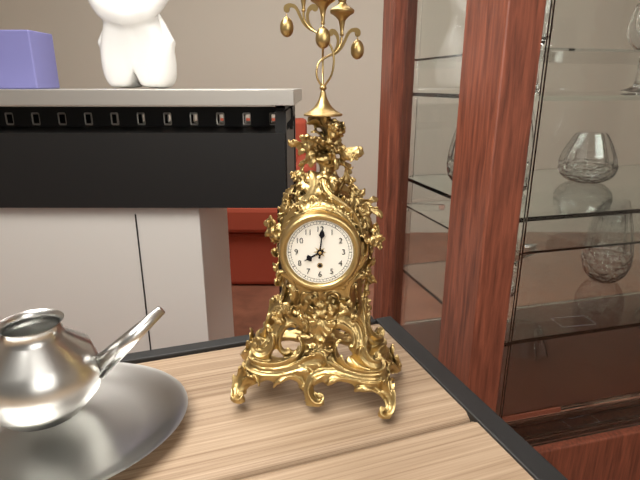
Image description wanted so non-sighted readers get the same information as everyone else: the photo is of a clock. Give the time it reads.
8:01
